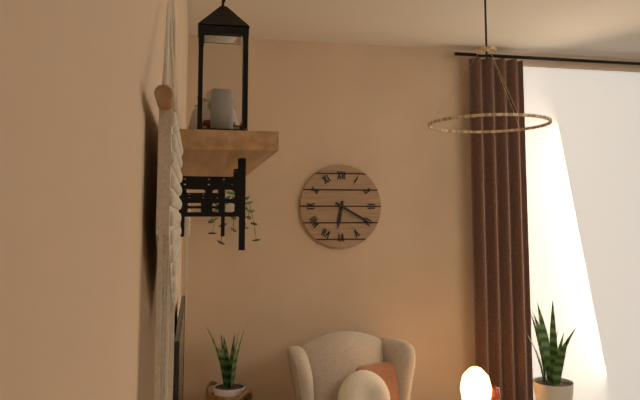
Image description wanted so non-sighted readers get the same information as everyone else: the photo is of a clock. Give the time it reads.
6:20
